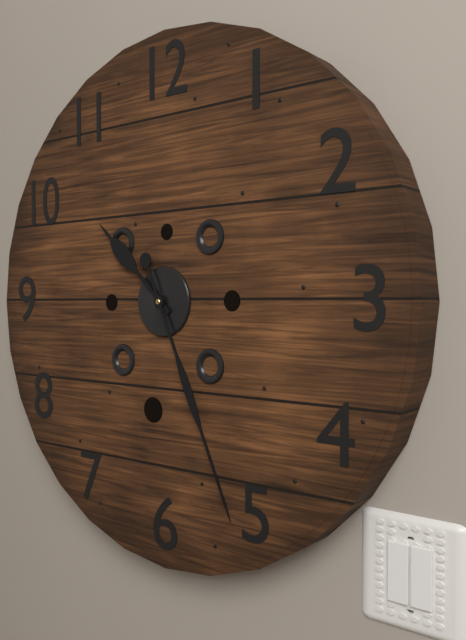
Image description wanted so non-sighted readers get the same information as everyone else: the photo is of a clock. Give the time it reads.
10:26
